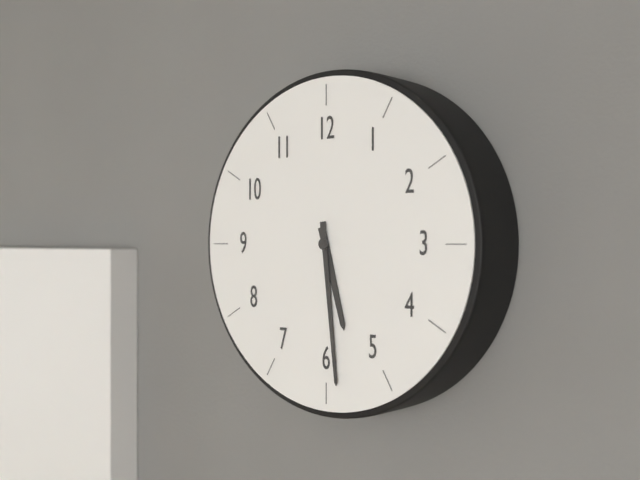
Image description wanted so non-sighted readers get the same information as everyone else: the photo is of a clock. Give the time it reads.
5:29
